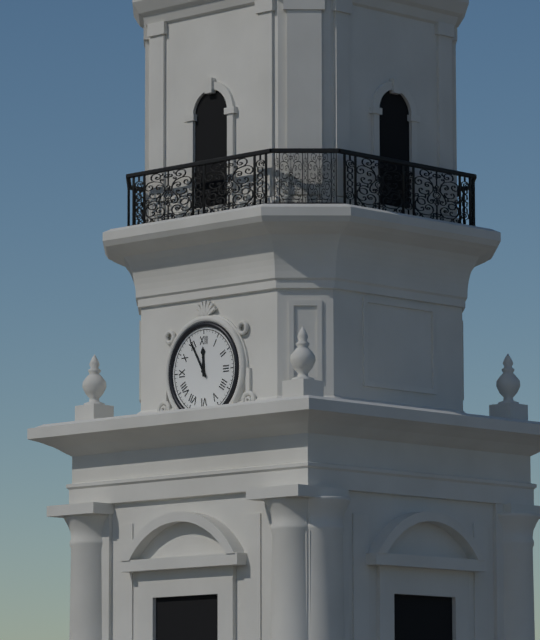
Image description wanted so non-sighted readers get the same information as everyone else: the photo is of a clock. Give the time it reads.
11:55
